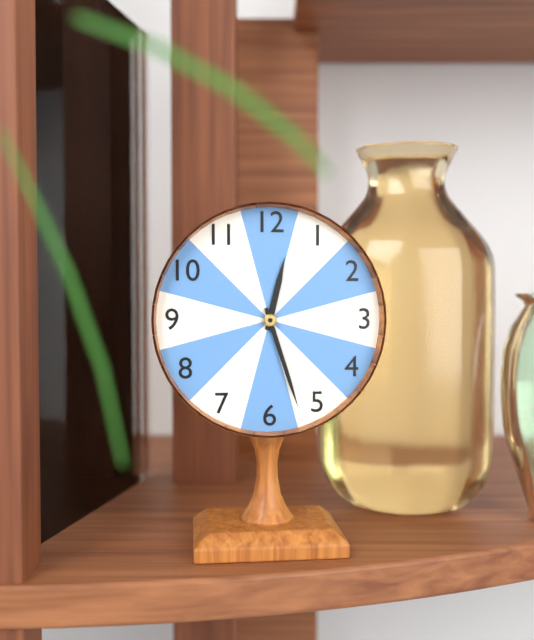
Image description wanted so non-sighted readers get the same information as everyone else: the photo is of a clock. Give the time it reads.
12:27
